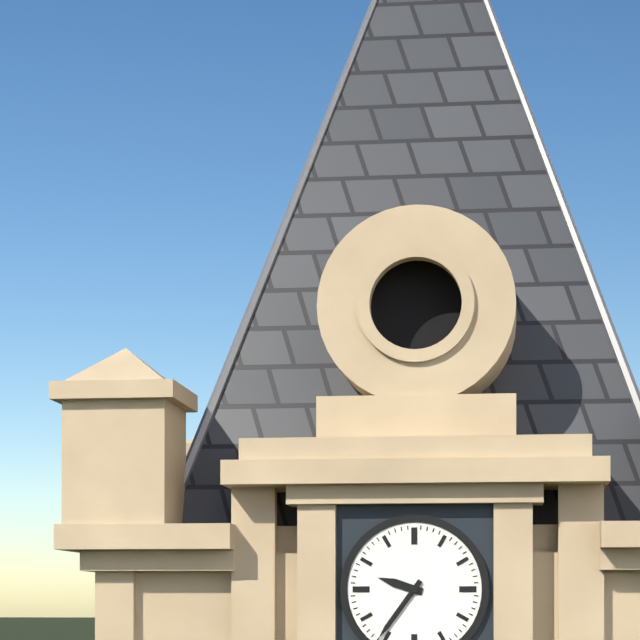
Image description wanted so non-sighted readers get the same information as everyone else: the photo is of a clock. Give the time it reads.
9:36
